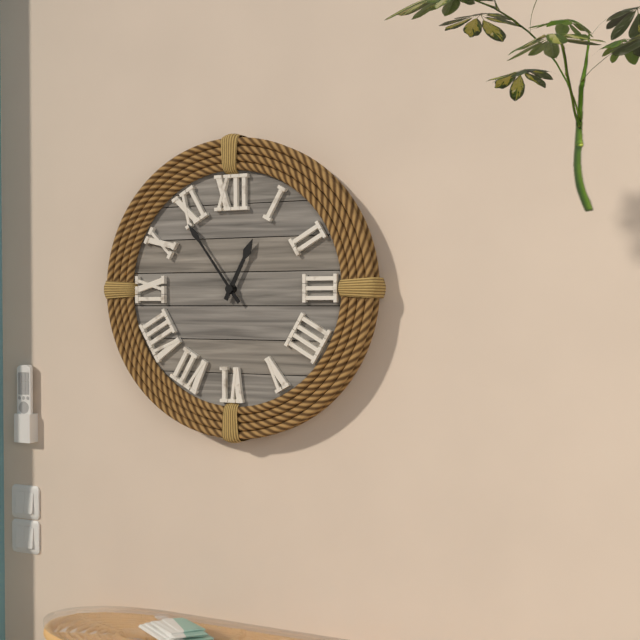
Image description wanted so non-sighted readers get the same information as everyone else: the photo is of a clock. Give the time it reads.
12:54
